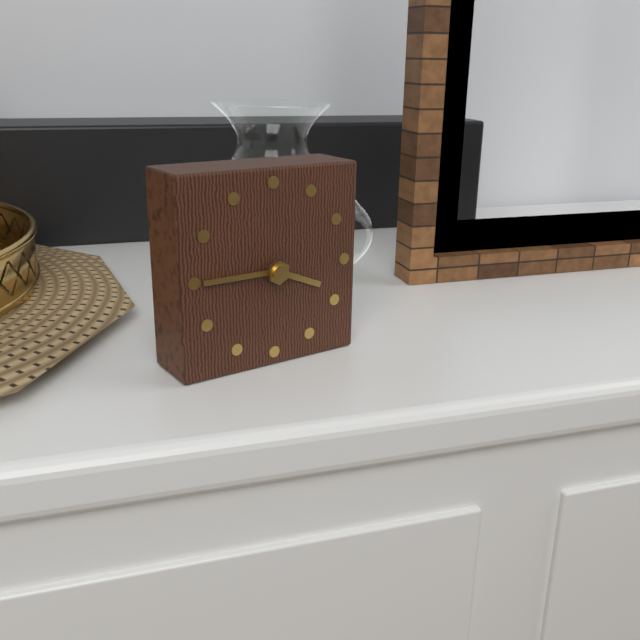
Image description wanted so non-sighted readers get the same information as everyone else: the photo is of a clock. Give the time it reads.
3:45
